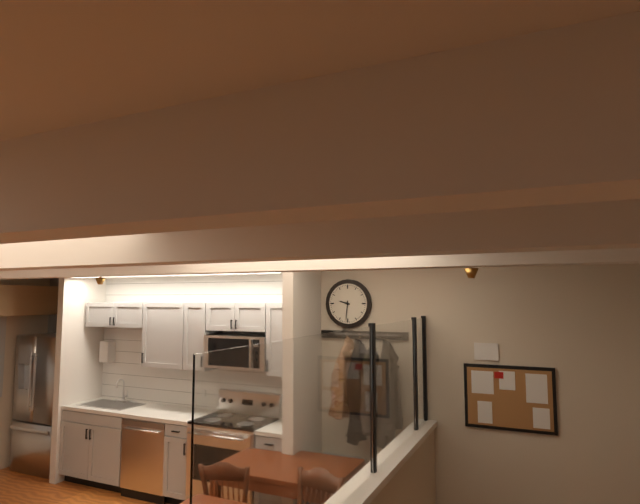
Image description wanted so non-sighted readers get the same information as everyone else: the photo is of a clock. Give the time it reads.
9:31
